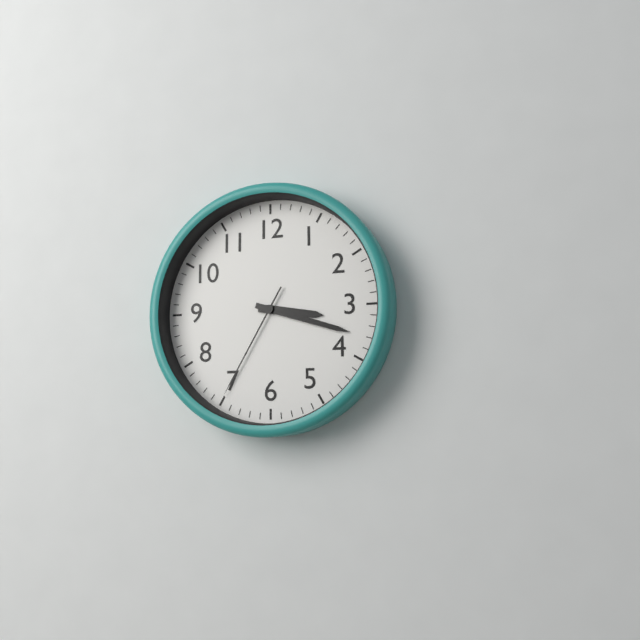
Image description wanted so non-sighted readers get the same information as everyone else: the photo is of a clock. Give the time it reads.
3:18:35
